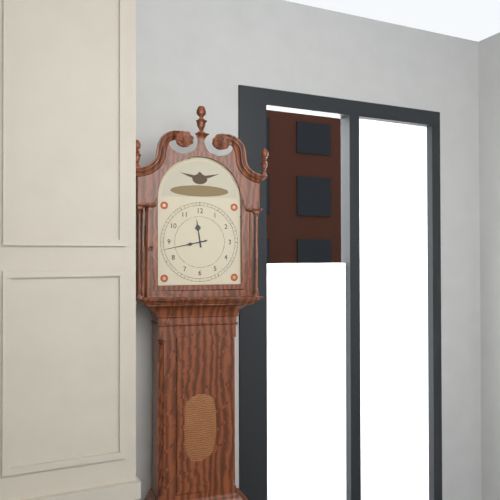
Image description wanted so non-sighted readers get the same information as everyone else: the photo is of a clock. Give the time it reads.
11:43
